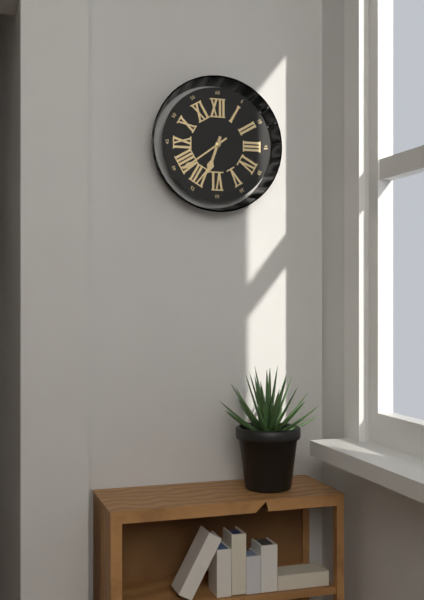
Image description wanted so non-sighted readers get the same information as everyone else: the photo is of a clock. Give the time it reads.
6:39
